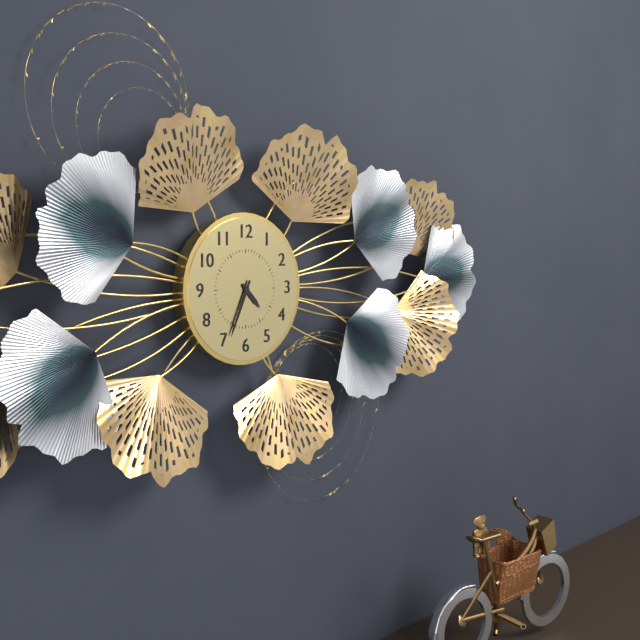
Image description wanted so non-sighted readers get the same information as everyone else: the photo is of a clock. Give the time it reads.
4:34
